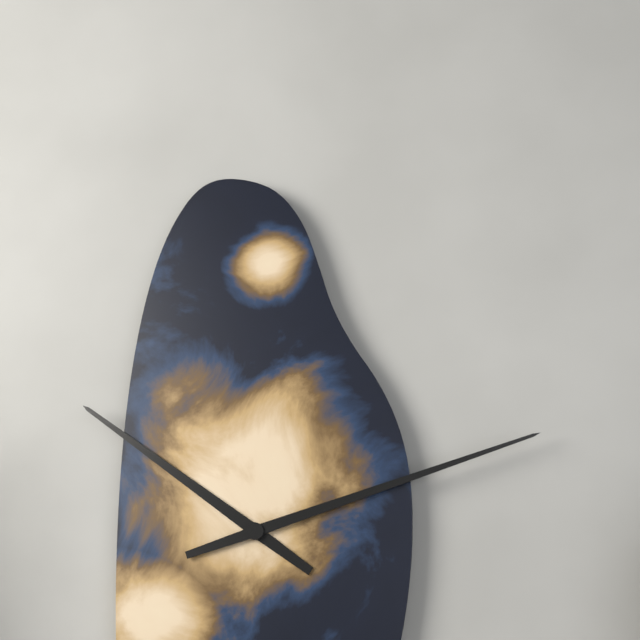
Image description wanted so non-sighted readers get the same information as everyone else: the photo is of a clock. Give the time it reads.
10:12
